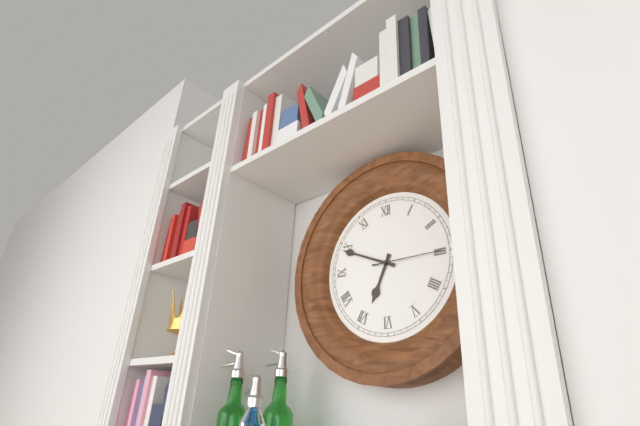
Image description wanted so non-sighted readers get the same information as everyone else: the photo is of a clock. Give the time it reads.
6:49:15
